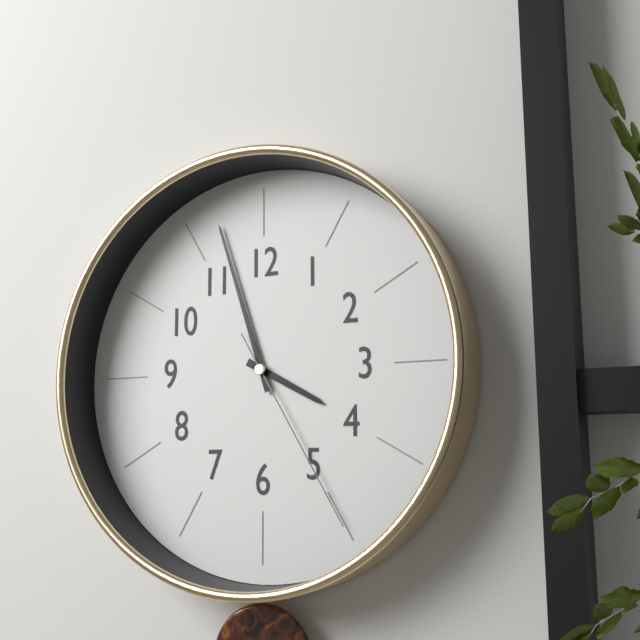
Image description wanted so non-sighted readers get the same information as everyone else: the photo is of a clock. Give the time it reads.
3:57:25
